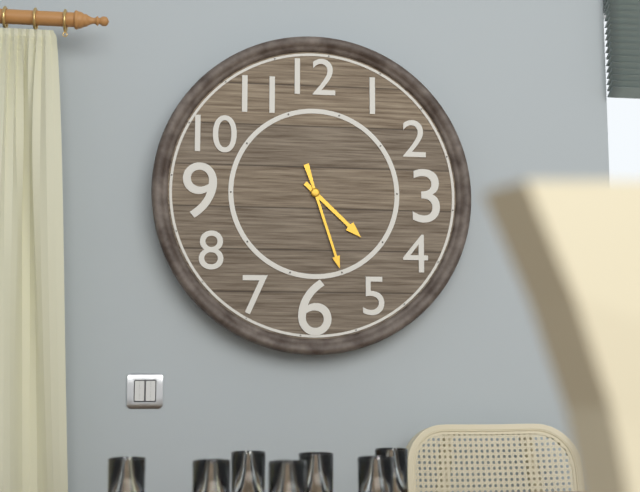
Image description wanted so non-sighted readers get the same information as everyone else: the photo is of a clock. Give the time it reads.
4:27
